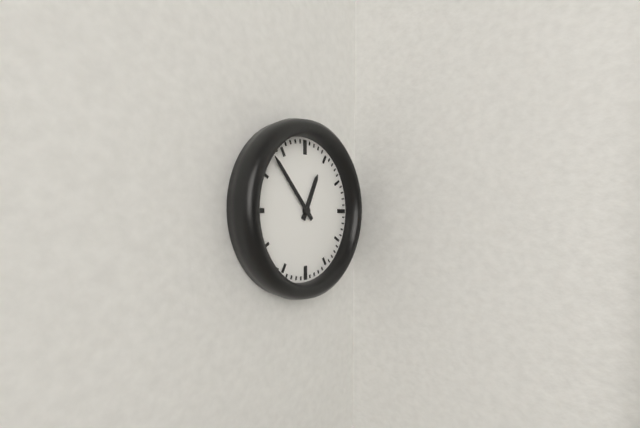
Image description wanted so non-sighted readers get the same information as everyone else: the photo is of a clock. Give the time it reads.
12:53
